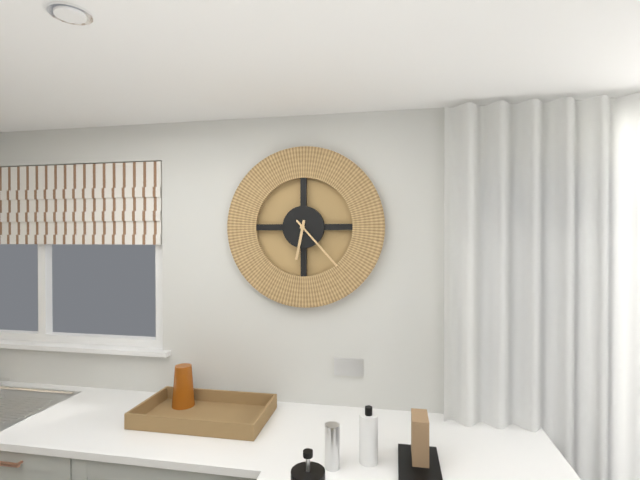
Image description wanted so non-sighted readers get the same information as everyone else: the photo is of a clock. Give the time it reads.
6:23
